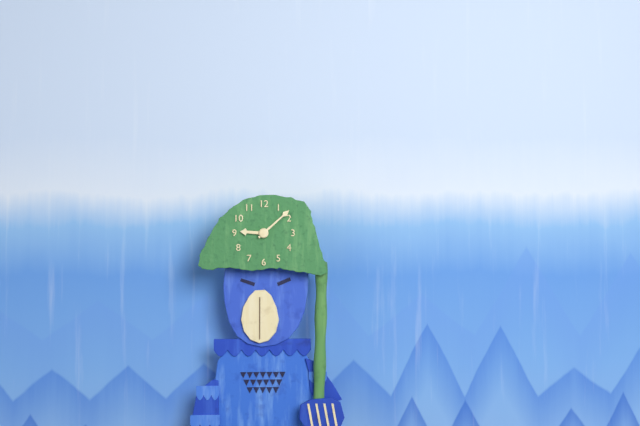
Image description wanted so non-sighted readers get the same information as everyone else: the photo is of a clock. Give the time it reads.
9:08
